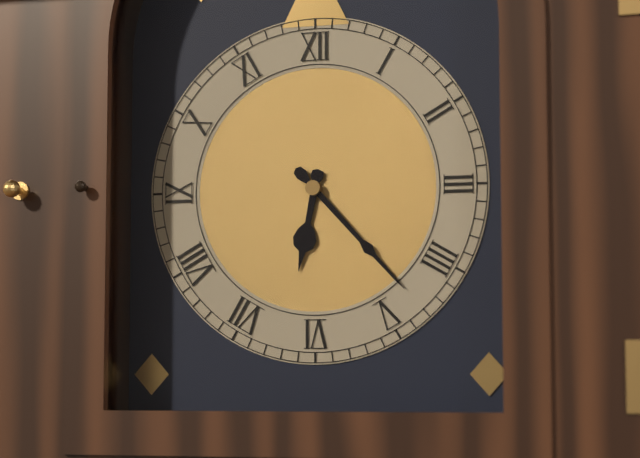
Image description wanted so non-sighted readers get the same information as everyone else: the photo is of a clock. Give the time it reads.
6:23
